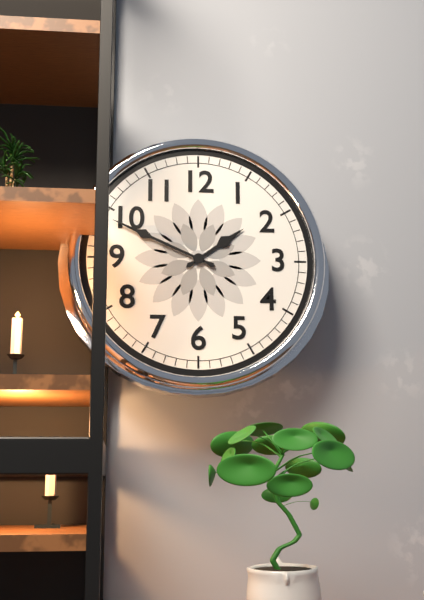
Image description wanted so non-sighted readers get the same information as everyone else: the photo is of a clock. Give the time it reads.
1:49
